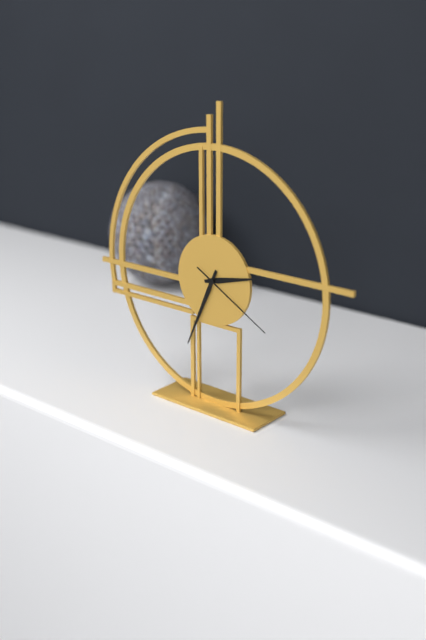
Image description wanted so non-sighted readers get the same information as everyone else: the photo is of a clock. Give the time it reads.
2:34:20
